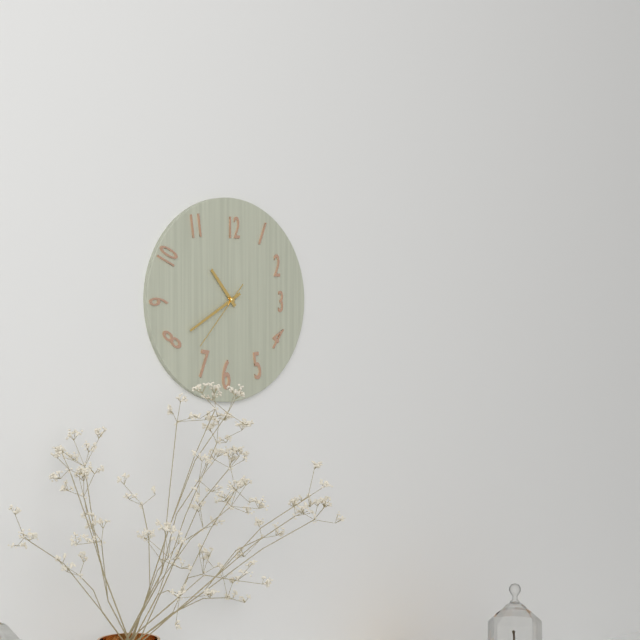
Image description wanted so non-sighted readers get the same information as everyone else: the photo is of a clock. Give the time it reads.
10:40:37
